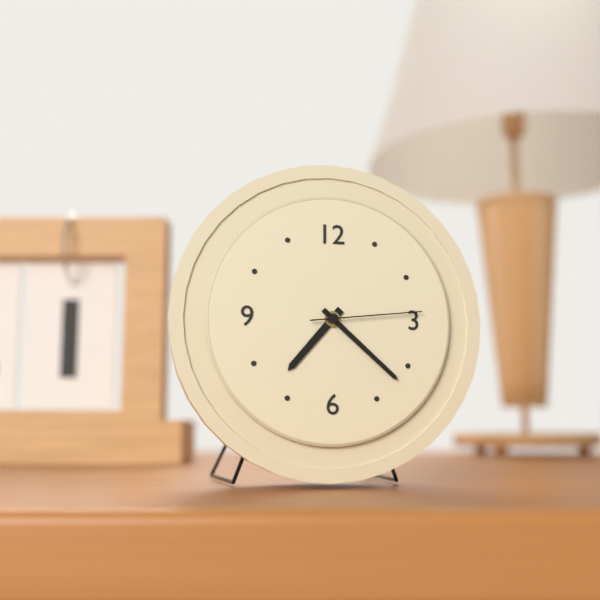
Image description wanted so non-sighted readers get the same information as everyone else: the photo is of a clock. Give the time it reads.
7:22:14
